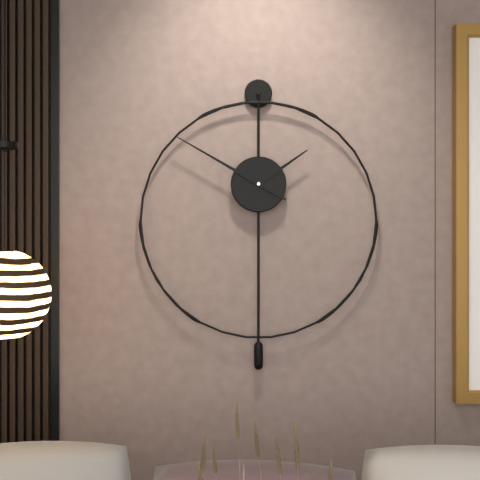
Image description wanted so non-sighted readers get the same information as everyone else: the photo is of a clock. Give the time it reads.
1:50
